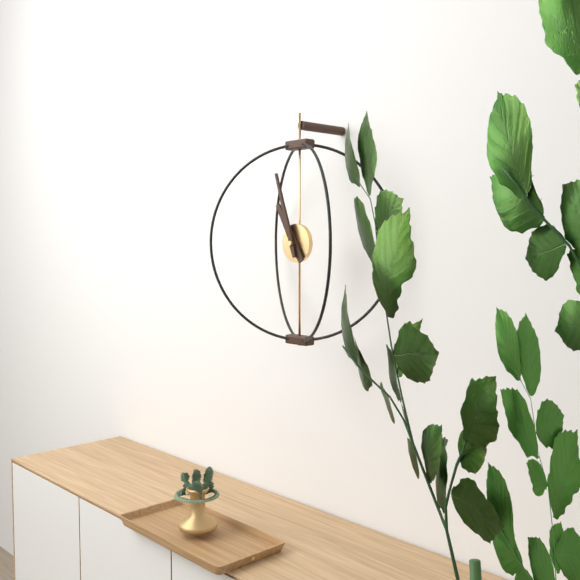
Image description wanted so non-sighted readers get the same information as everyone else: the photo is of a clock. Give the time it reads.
10:57
